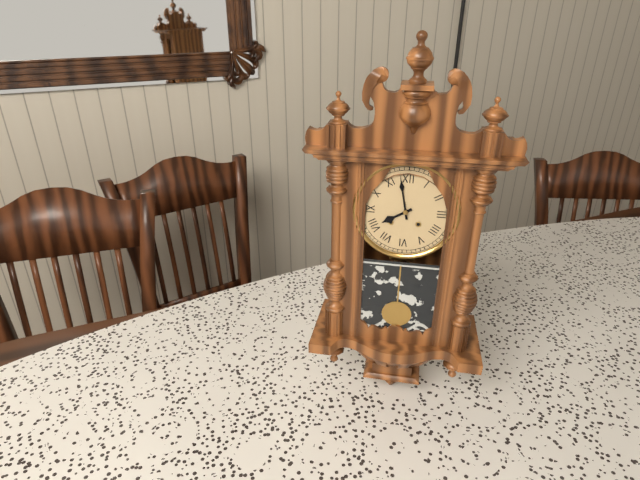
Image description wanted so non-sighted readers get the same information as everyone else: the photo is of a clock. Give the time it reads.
7:58
